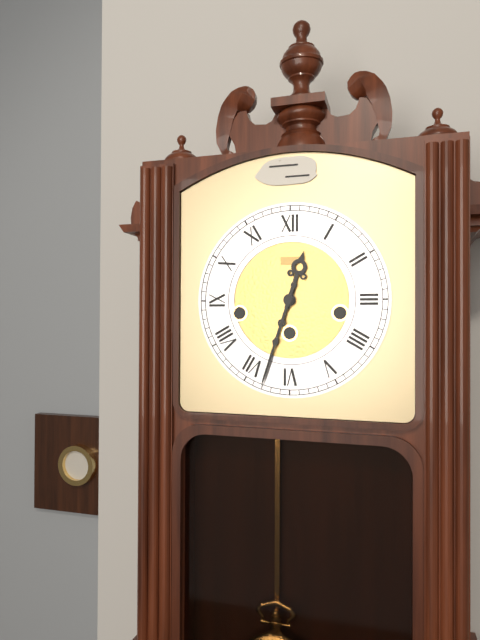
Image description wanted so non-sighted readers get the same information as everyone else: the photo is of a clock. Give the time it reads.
12:33
